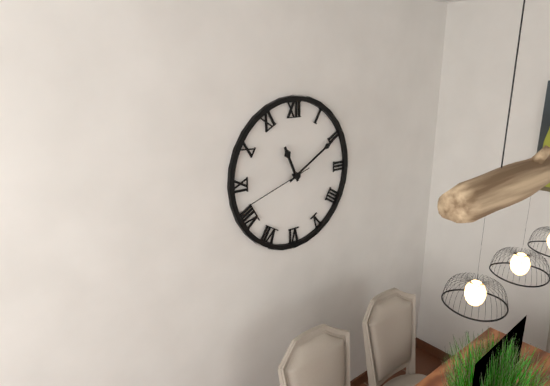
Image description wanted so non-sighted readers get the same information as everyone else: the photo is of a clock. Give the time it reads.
11:10:42
